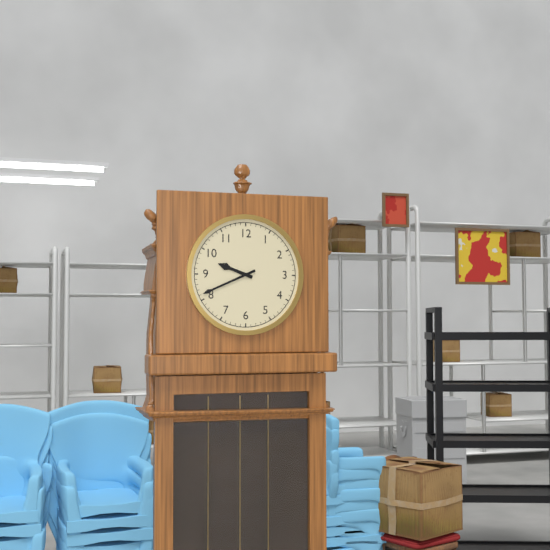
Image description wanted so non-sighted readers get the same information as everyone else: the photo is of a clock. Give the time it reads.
9:41
